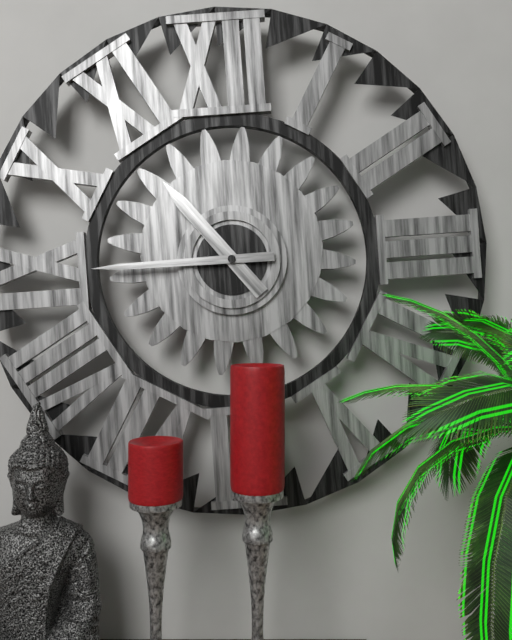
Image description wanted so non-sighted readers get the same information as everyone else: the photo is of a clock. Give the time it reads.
10:45
